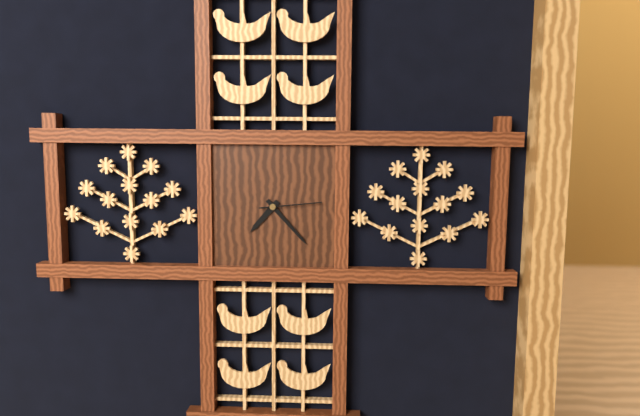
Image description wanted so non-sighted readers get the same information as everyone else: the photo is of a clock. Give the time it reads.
7:23:14
